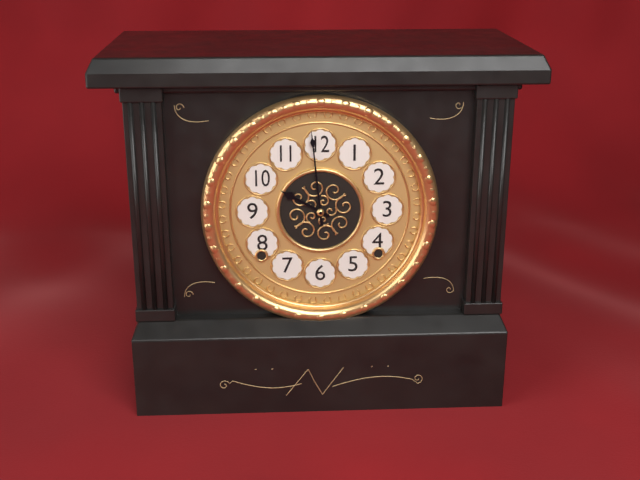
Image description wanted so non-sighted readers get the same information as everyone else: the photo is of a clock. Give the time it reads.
9:59
